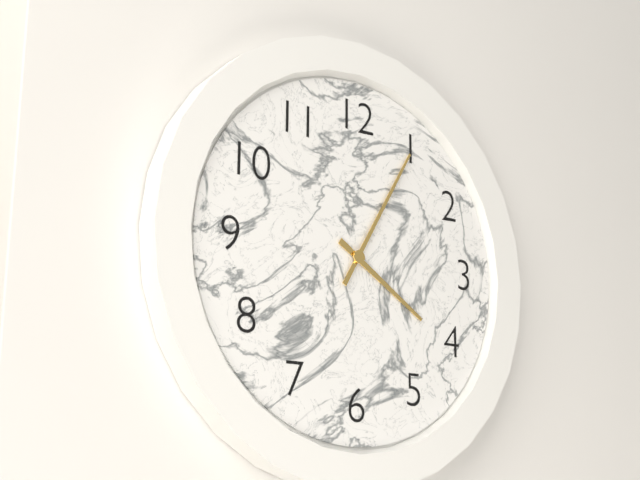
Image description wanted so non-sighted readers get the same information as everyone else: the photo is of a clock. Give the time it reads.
4:05
